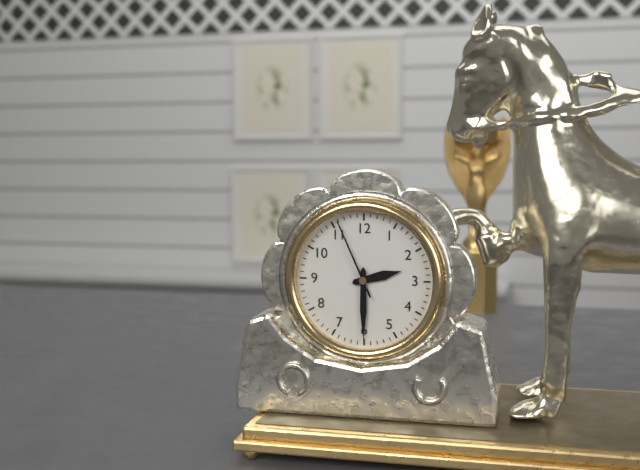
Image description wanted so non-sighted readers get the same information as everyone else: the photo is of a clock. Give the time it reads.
2:30:56
